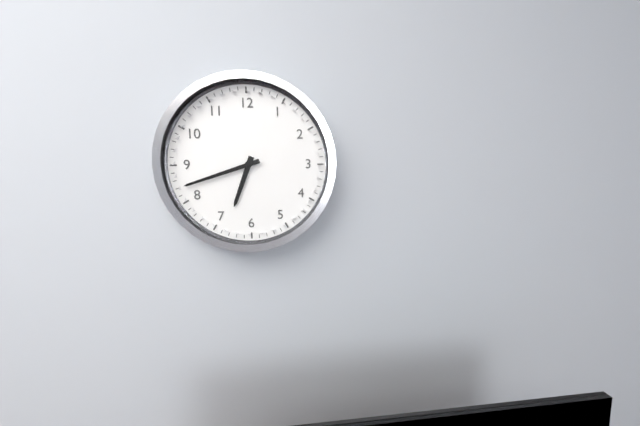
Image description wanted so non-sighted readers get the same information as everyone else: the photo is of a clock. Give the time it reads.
6:42
